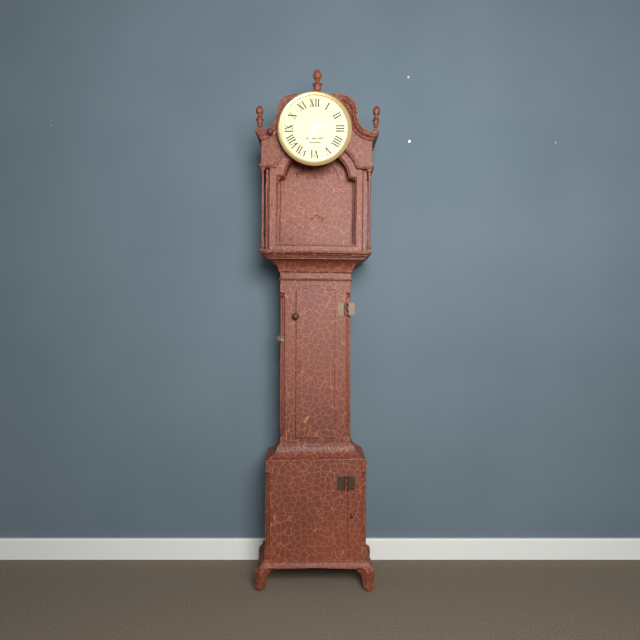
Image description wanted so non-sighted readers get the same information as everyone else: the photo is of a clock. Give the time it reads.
2:34
